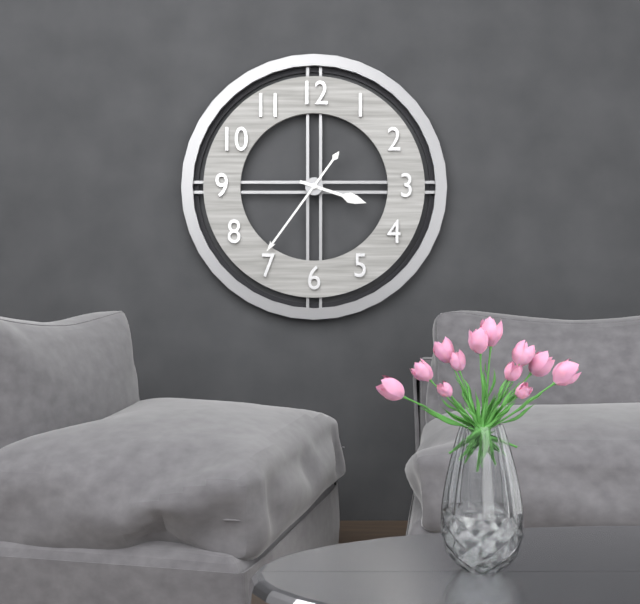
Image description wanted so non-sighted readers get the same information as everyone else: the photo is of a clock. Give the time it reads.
3:36
